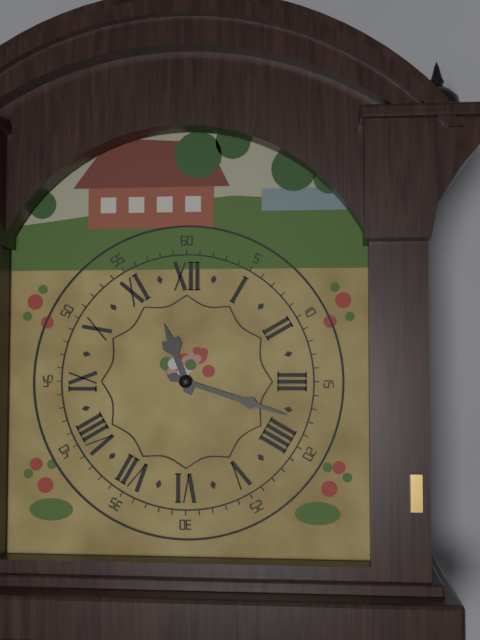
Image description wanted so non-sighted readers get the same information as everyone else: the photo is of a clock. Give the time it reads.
11:18
